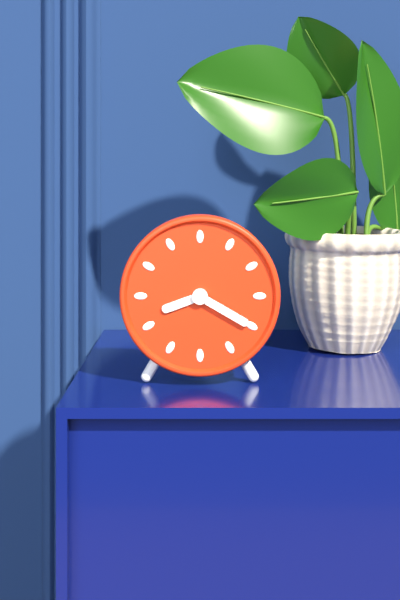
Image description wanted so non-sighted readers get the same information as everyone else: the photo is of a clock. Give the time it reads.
8:20
